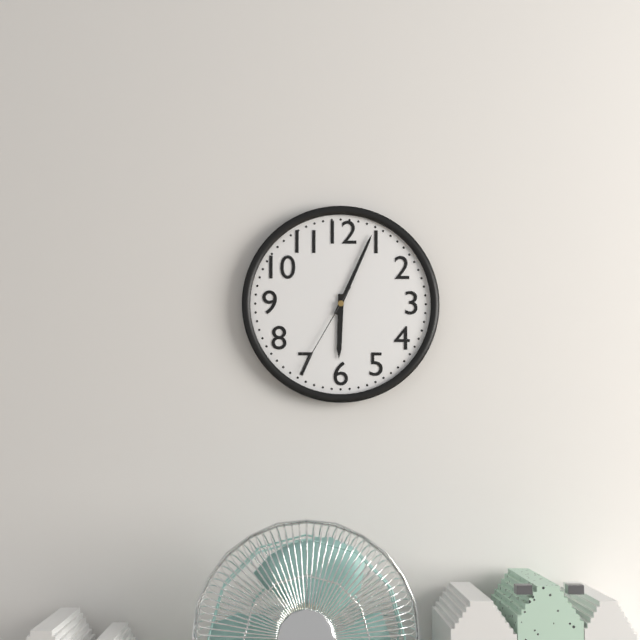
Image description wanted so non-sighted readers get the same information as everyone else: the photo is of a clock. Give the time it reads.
6:04:35
